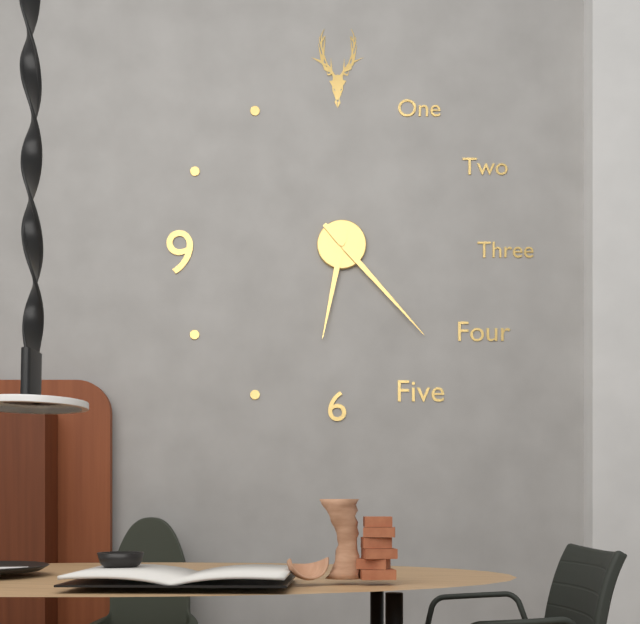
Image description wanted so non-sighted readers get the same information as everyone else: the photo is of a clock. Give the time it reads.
6:23
